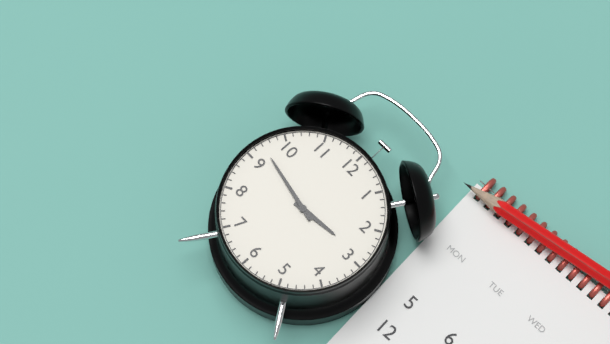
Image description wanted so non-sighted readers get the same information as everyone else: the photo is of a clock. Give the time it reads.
2:47
